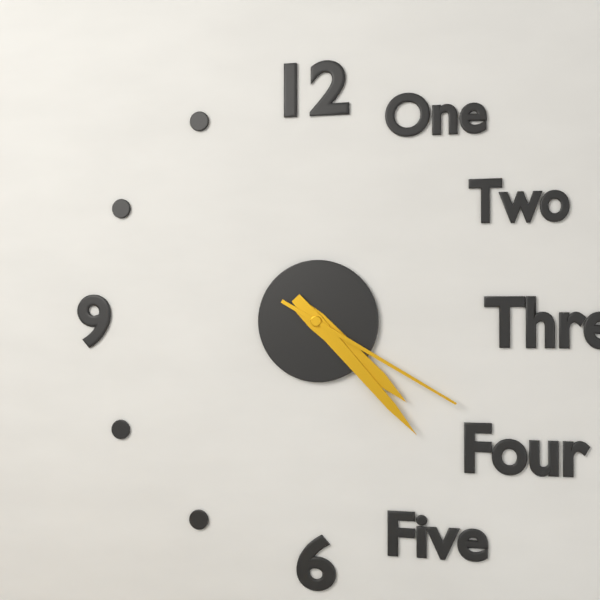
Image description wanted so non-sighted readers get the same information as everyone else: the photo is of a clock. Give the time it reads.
4:23:20
